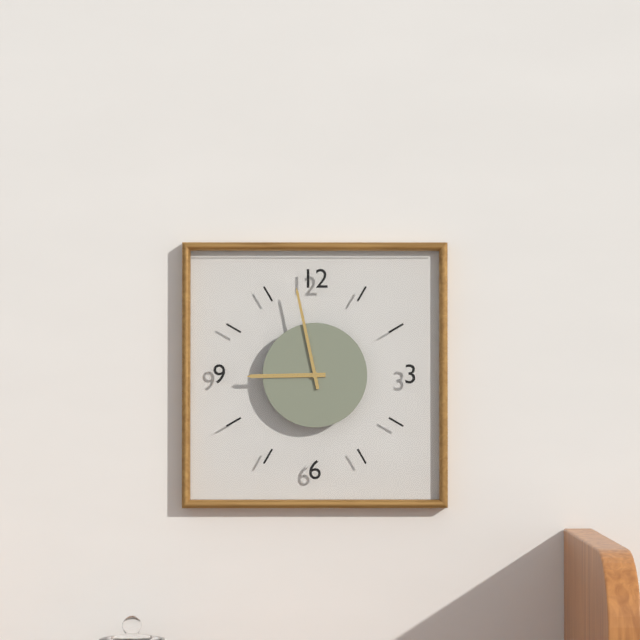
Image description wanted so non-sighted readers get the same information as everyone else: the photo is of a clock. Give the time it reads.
8:58
